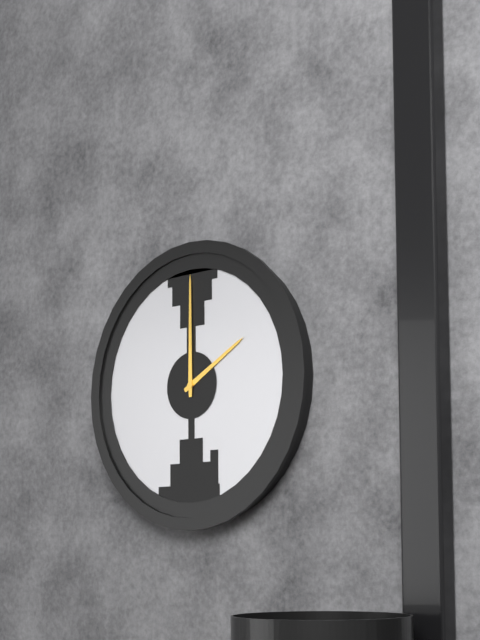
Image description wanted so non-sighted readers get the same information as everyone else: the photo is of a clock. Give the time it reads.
2:00
